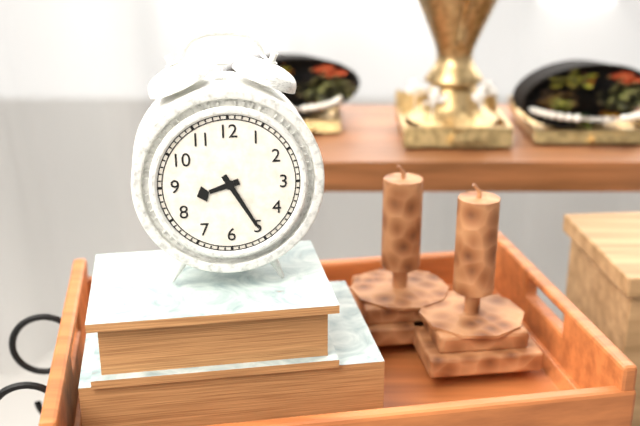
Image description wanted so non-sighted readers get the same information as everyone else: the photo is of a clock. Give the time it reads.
8:25
